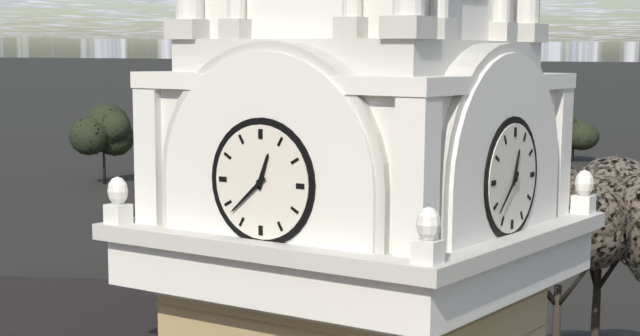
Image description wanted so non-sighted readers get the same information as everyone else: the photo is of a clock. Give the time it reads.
12:38
